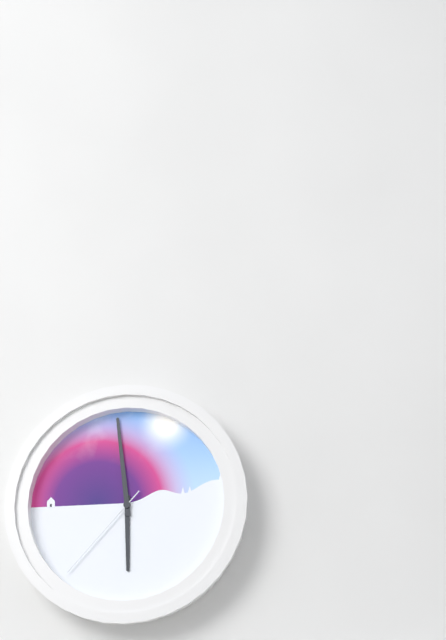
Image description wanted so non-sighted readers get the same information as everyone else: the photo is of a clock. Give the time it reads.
5:59:37
